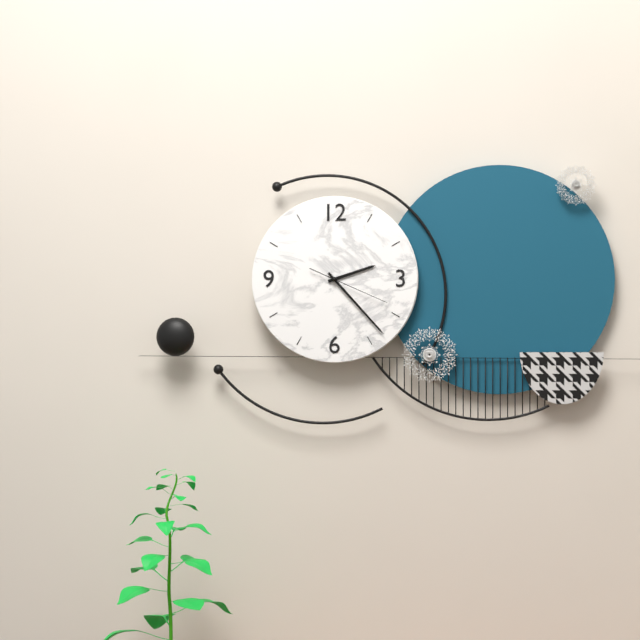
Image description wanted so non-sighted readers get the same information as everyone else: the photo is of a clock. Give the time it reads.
2:23:19
